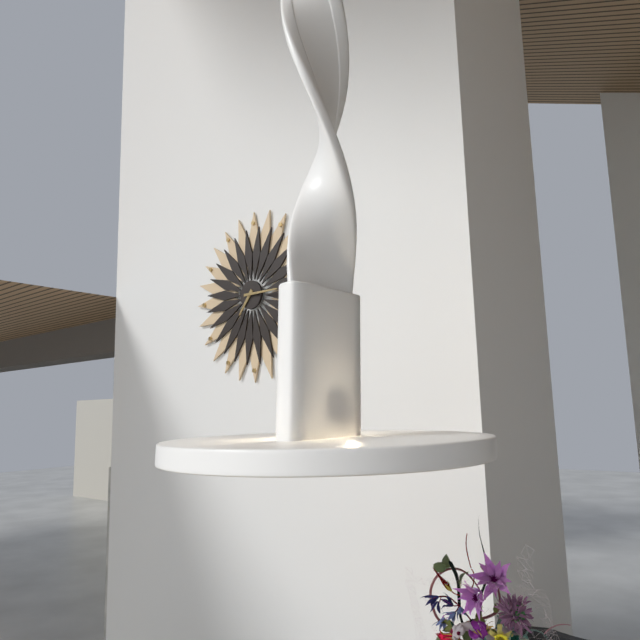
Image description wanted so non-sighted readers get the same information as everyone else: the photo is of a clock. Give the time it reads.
7:15
